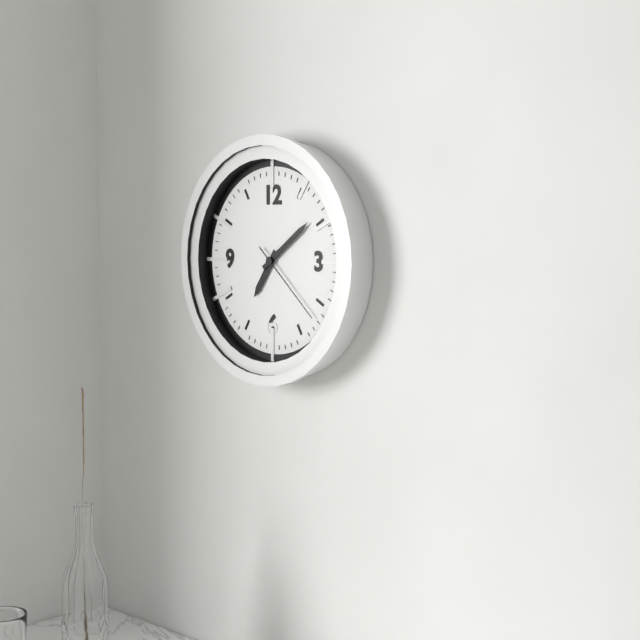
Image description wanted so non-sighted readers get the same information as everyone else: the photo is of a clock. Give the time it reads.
7:09:22
